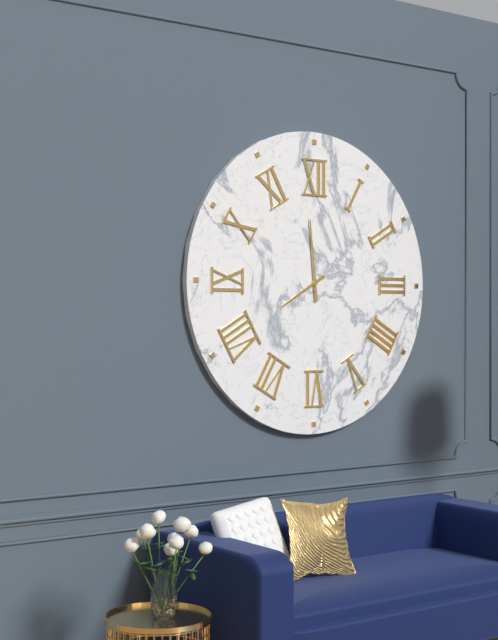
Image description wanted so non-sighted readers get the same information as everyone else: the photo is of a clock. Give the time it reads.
7:59
